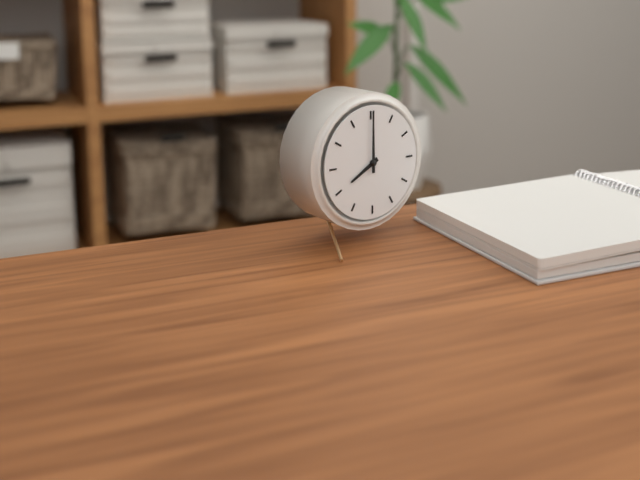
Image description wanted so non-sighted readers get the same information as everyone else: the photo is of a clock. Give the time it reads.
8:00
